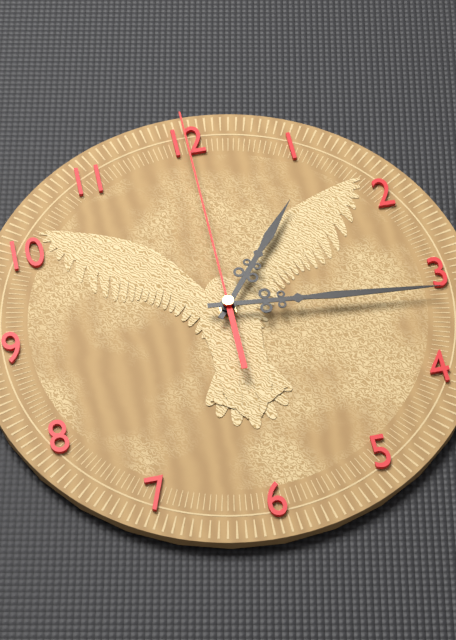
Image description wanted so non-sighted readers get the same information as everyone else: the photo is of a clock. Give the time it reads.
1:16:00
